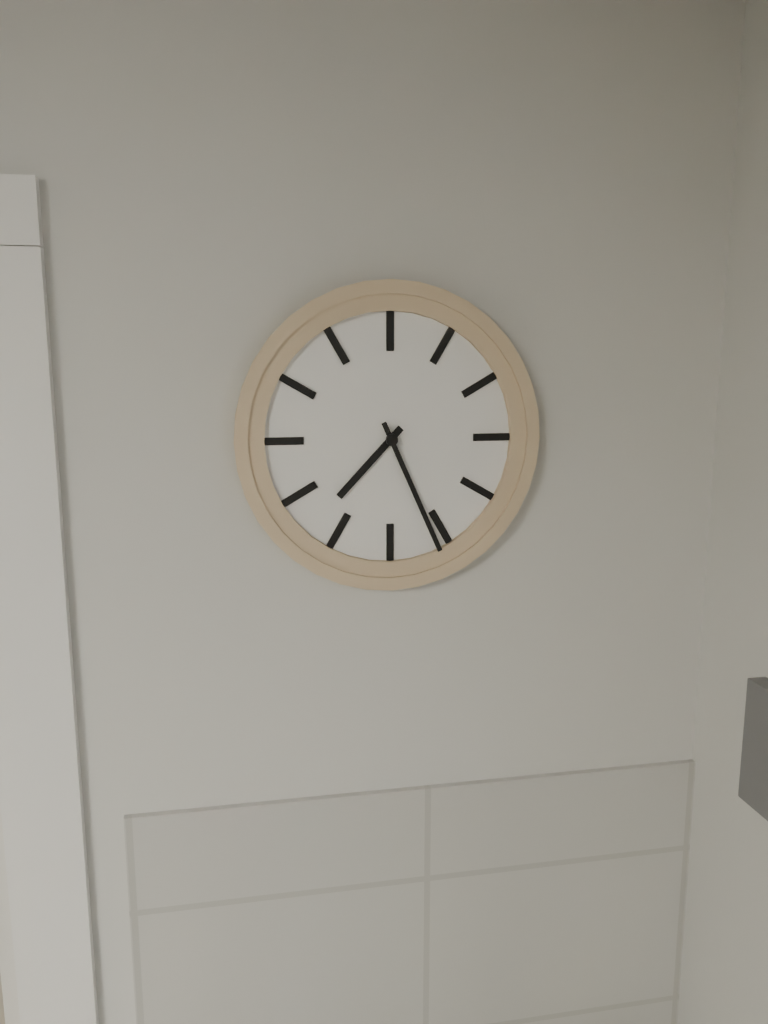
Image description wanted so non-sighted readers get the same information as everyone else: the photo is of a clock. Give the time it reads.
7:26
